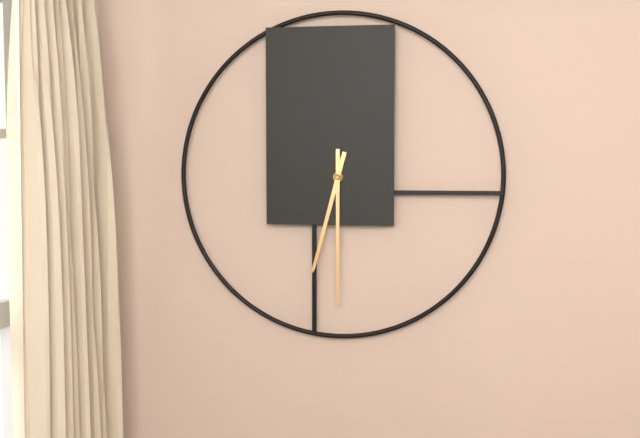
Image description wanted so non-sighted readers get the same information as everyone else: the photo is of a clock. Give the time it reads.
6:30
